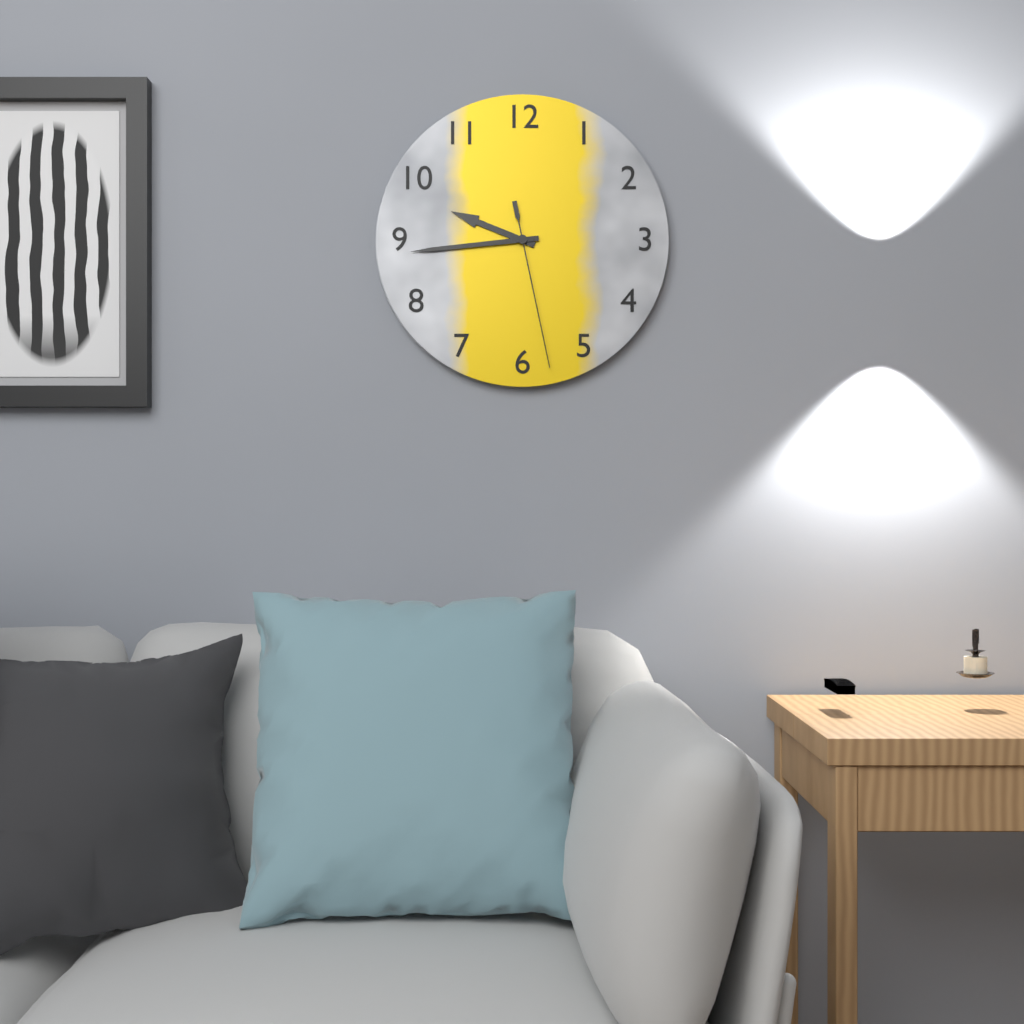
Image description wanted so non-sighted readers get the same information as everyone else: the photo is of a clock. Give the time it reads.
9:44:28
